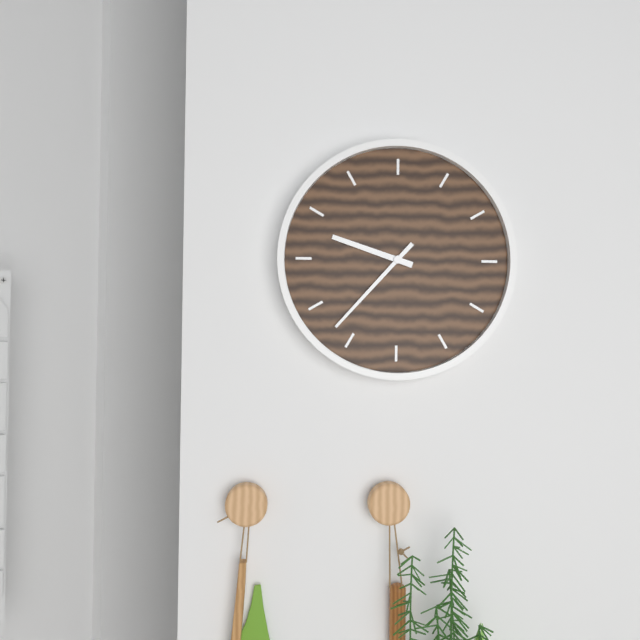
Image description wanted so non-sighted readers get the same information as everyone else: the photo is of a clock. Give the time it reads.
9:37
